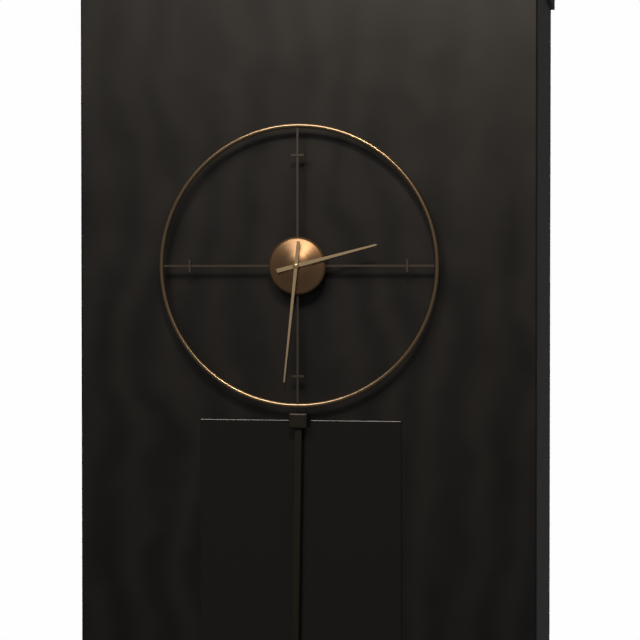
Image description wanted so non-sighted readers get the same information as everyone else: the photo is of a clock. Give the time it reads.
2:31
